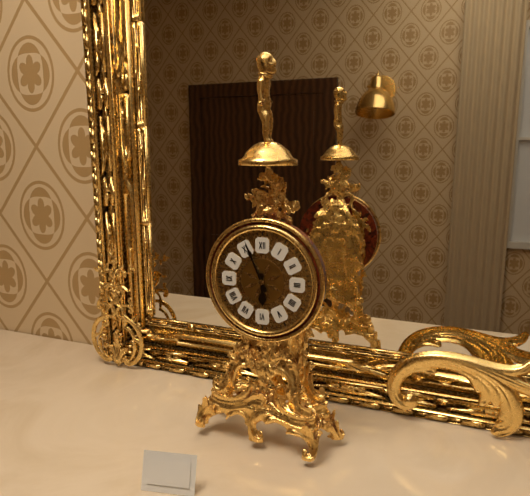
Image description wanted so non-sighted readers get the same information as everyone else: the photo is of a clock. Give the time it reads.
5:56
